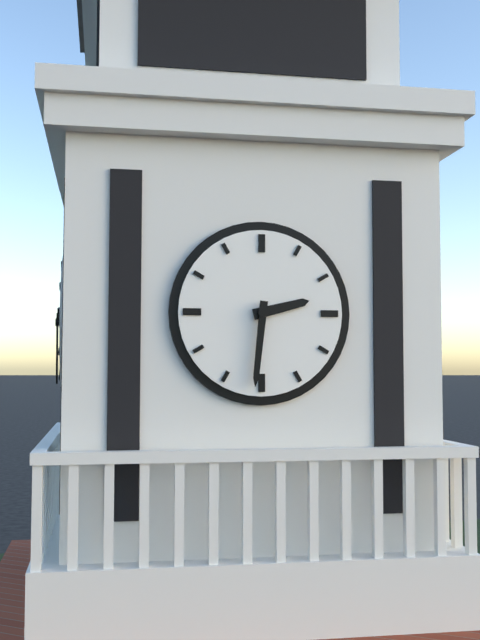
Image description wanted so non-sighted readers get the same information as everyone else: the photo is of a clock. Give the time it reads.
2:31
